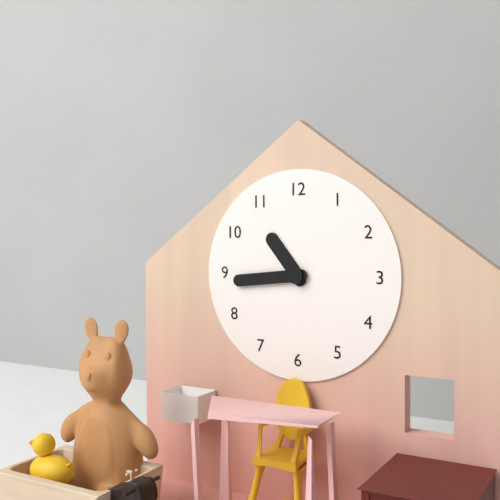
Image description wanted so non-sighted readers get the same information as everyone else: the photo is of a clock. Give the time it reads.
10:44
